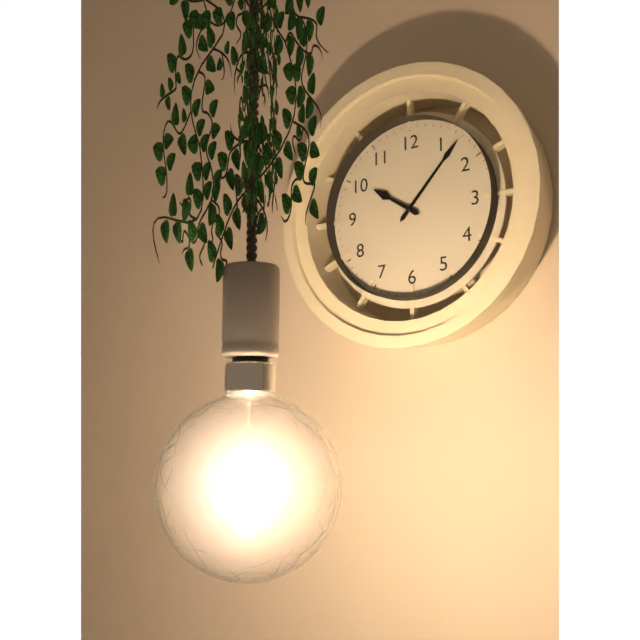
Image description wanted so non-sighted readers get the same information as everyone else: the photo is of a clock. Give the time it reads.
10:07
